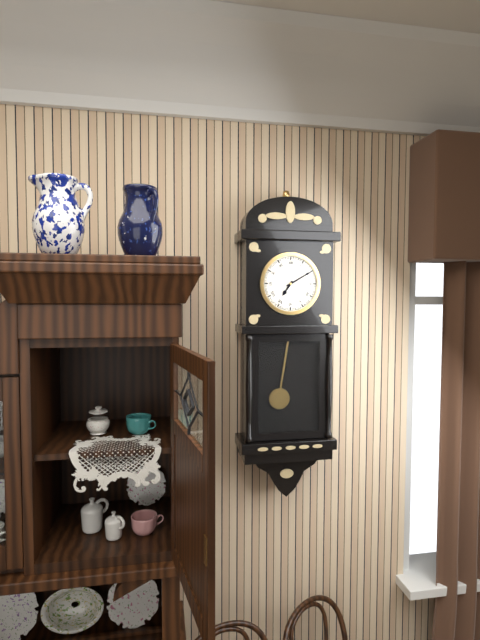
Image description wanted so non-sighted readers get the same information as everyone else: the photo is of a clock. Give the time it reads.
7:10
